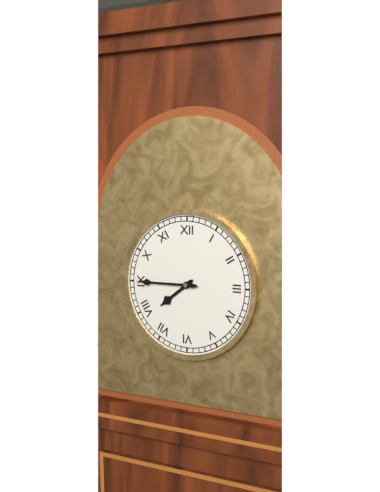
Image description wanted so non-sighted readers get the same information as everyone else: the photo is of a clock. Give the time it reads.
7:45
